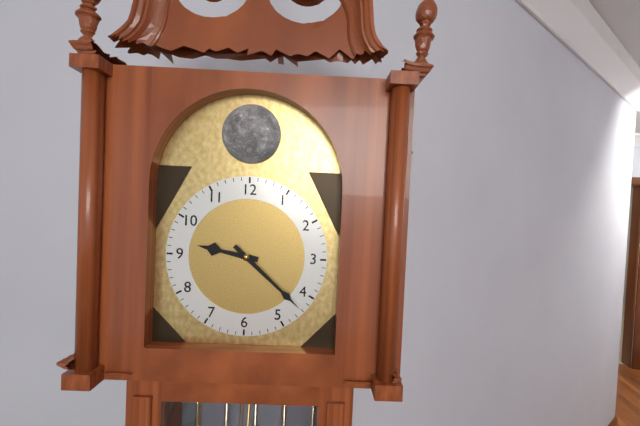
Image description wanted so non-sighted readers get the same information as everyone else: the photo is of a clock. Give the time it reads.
9:22
